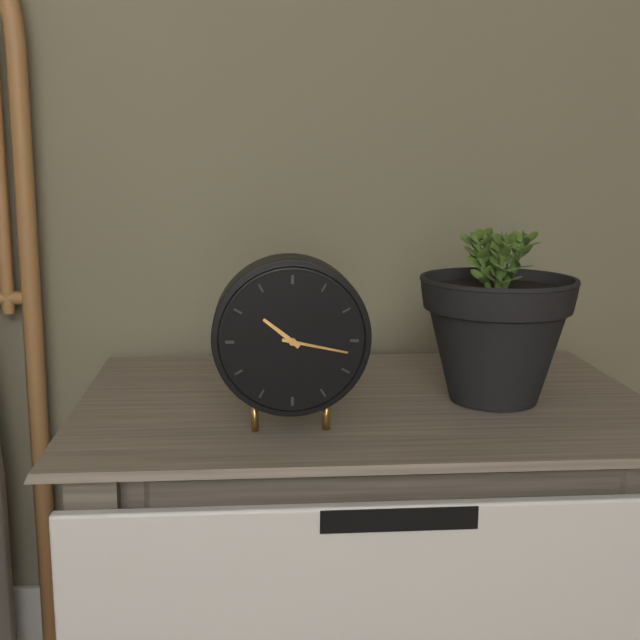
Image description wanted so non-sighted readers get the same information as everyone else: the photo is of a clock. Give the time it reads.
10:17
